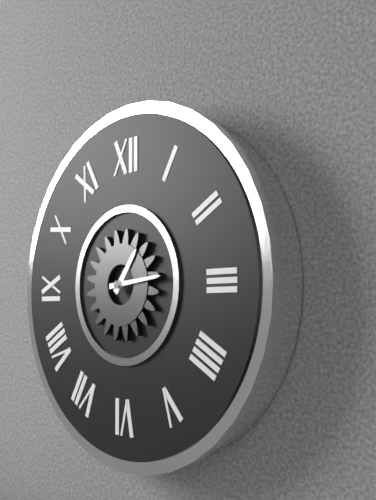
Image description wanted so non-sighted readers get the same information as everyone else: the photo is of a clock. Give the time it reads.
1:14
